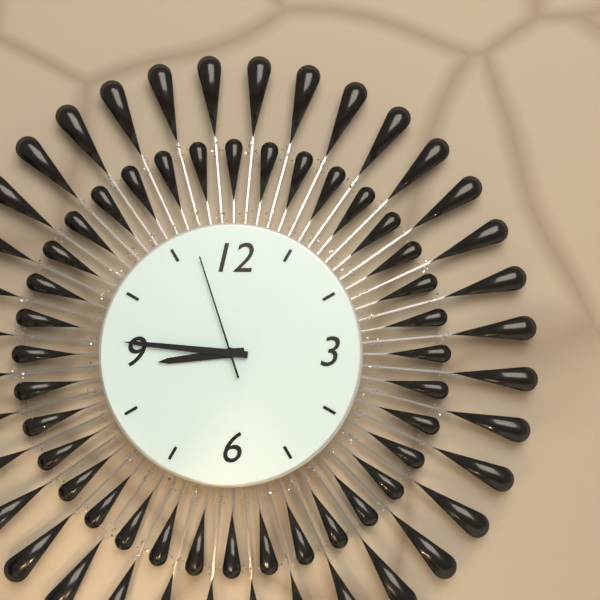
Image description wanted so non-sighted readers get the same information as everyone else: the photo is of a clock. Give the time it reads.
8:46:57
